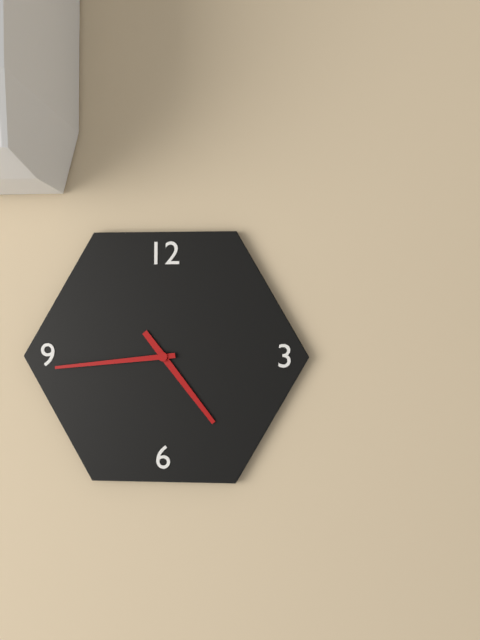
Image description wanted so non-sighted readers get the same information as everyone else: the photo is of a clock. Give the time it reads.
4:44
